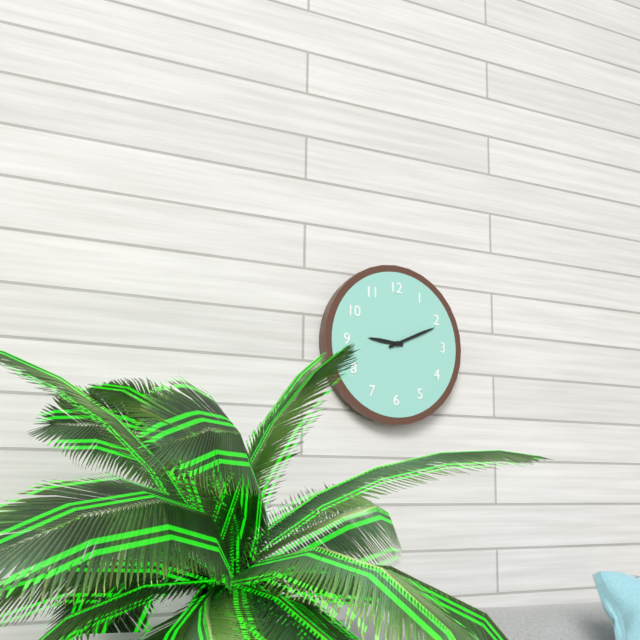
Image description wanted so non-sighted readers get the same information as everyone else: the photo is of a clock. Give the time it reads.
9:11
